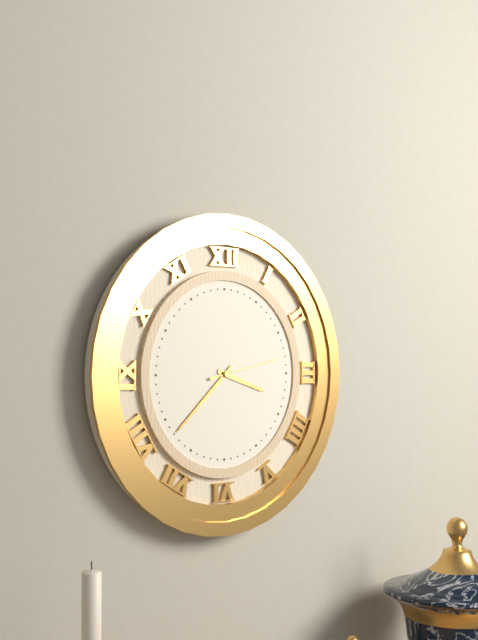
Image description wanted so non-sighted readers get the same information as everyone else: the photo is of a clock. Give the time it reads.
3:38:13
